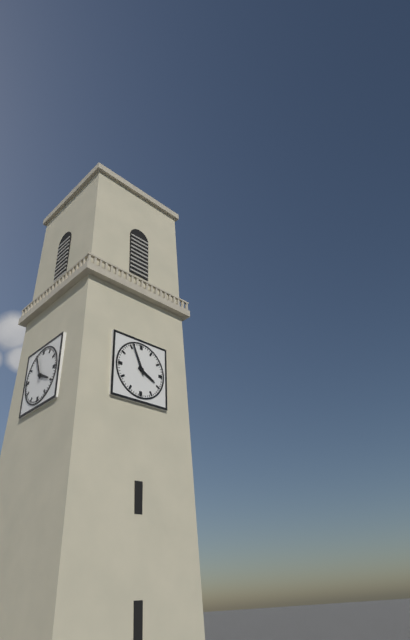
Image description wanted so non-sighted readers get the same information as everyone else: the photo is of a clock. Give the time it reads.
3:56
